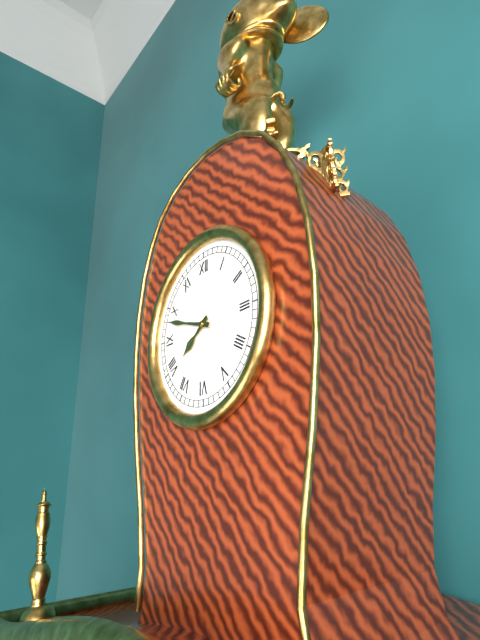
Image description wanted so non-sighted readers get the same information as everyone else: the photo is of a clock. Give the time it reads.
7:48
